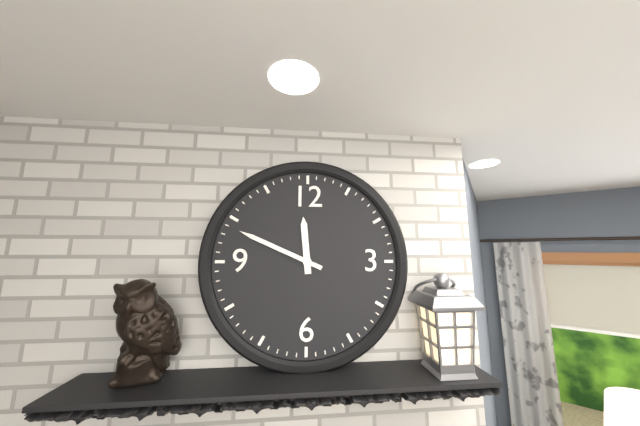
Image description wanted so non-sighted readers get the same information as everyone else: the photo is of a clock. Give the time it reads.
11:49
